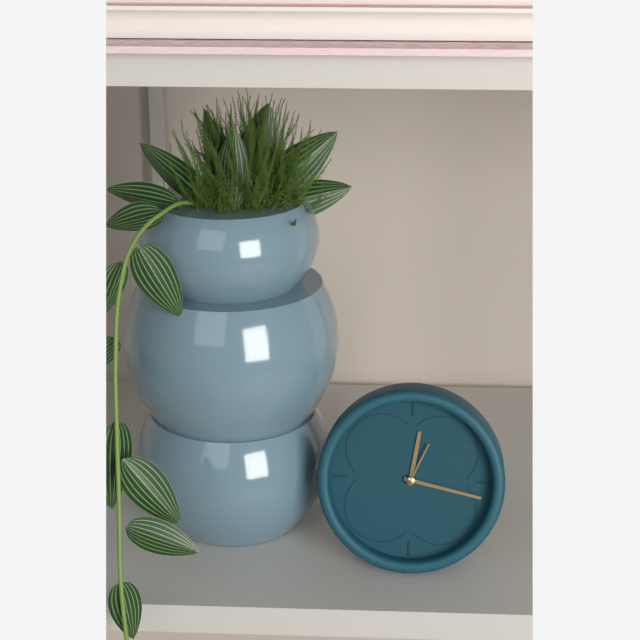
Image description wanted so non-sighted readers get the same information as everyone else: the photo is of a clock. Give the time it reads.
12:17:04
